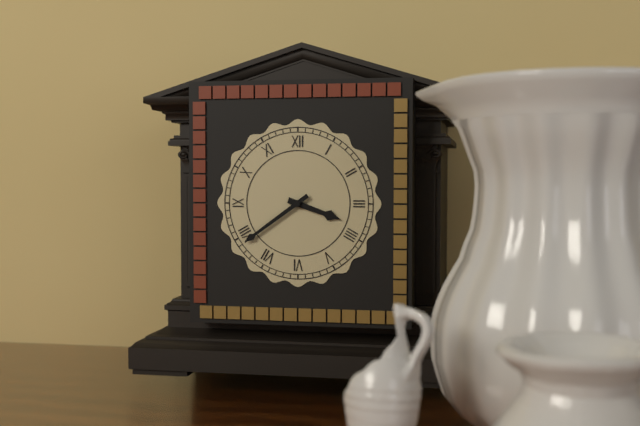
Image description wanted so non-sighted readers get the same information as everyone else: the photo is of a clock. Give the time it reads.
3:39
